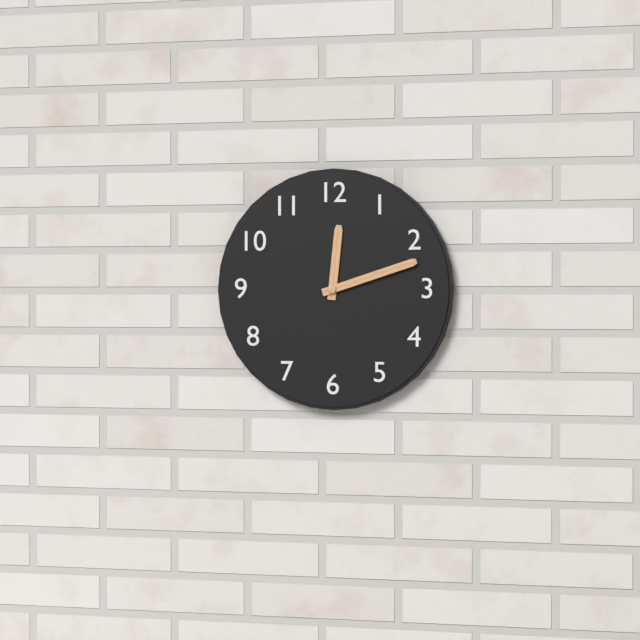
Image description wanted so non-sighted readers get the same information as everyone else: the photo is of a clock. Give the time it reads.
12:12
